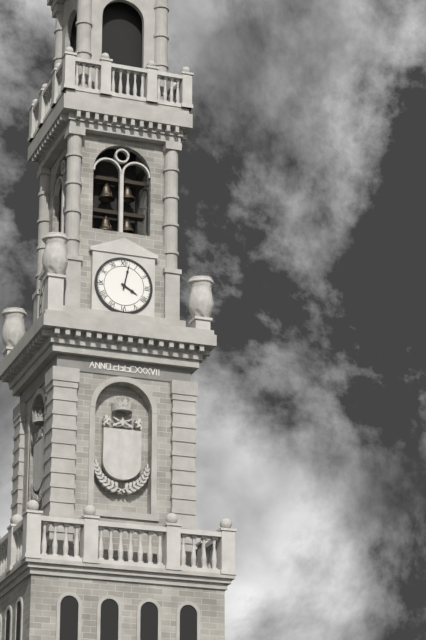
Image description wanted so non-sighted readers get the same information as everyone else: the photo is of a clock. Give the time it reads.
4:02
